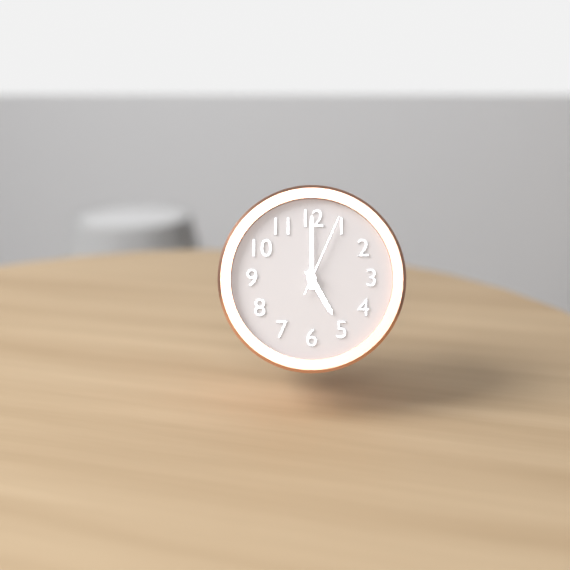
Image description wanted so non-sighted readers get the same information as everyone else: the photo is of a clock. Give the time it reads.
5:00:04
